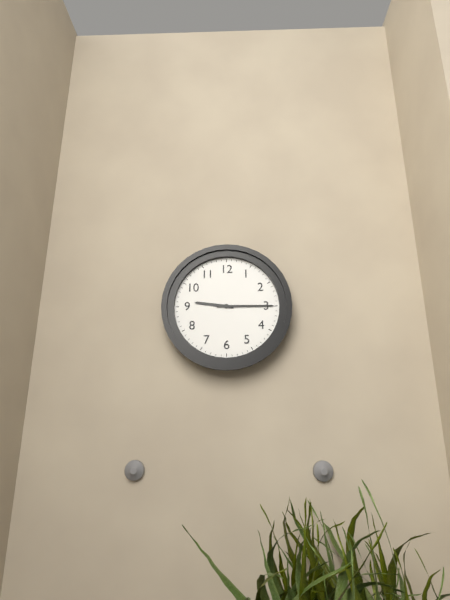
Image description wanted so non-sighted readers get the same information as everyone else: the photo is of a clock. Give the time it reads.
9:15
